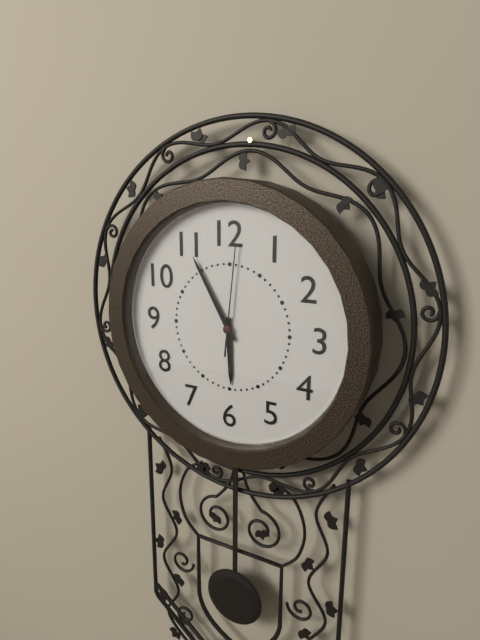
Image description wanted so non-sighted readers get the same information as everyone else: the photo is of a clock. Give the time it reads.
5:55:01
